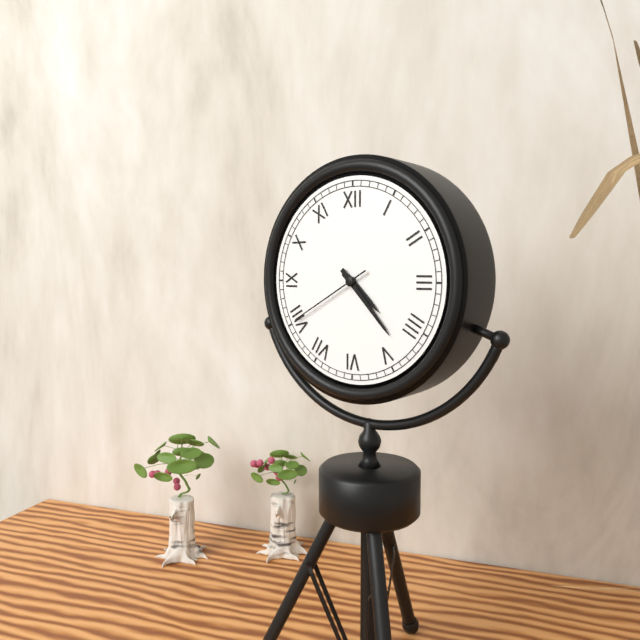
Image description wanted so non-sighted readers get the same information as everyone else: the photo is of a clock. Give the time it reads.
4:23:40
